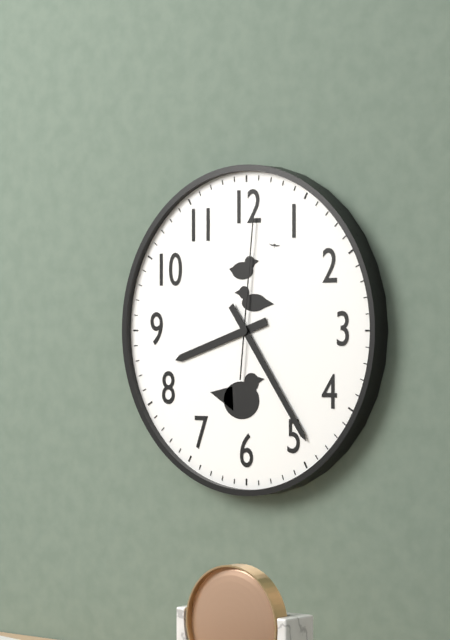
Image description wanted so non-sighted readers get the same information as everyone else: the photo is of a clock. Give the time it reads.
8:24:01
